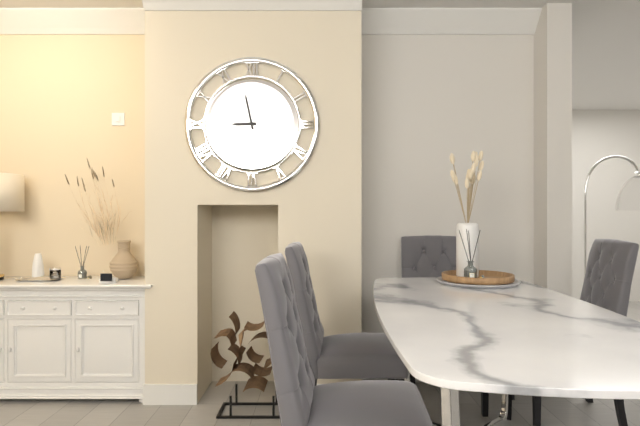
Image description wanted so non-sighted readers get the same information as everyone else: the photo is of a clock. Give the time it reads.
8:58
